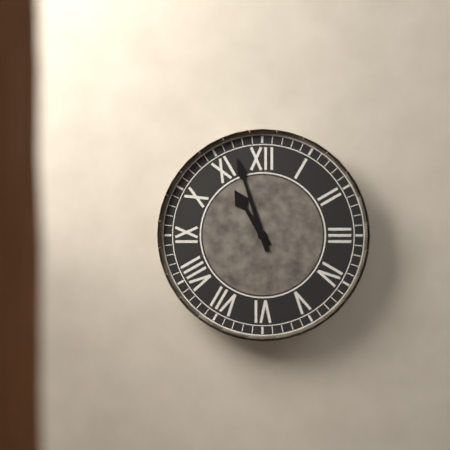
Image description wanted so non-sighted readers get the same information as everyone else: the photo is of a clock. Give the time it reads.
10:57
